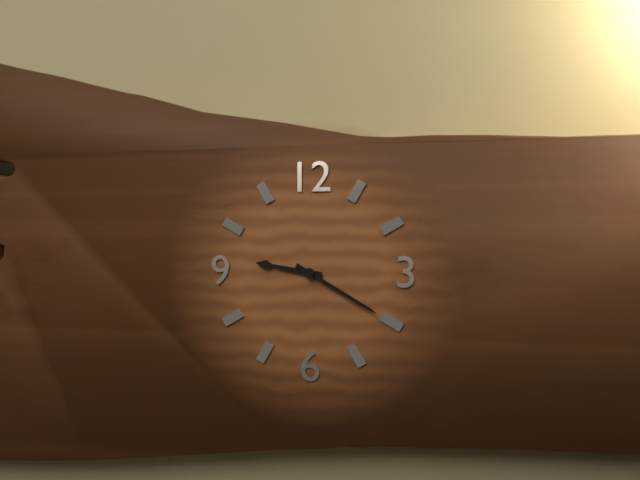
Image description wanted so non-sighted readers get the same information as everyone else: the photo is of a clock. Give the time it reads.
9:20
